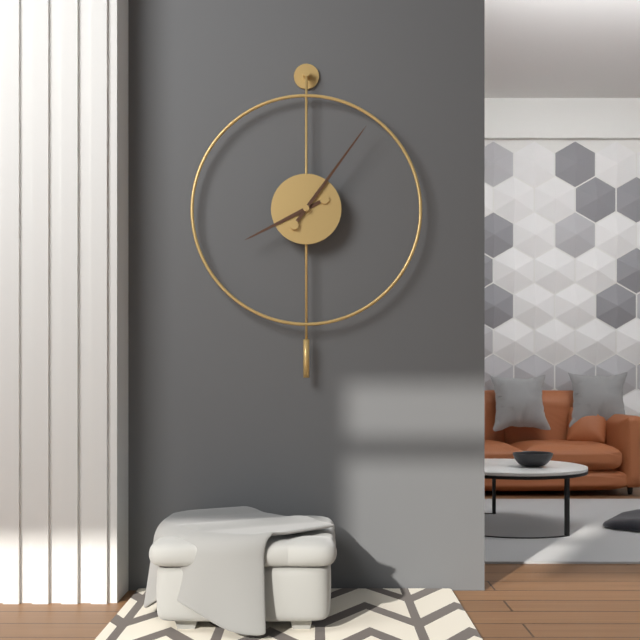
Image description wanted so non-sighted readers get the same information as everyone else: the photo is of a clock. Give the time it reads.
8:06
